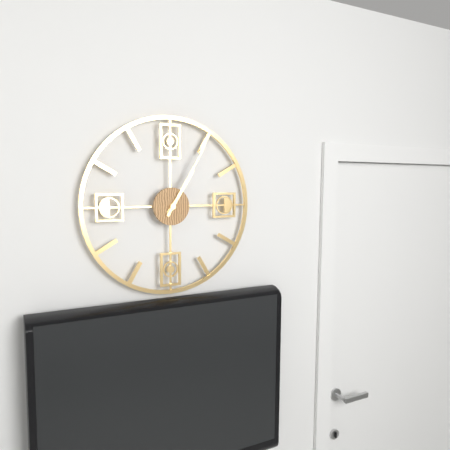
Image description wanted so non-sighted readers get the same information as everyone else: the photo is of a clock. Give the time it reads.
1:05
